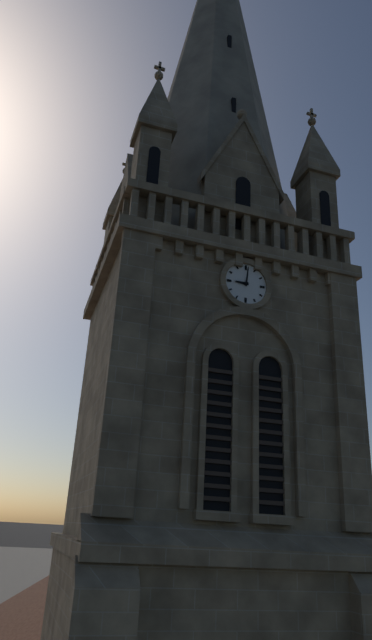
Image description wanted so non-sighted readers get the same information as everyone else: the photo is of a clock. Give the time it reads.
9:01
